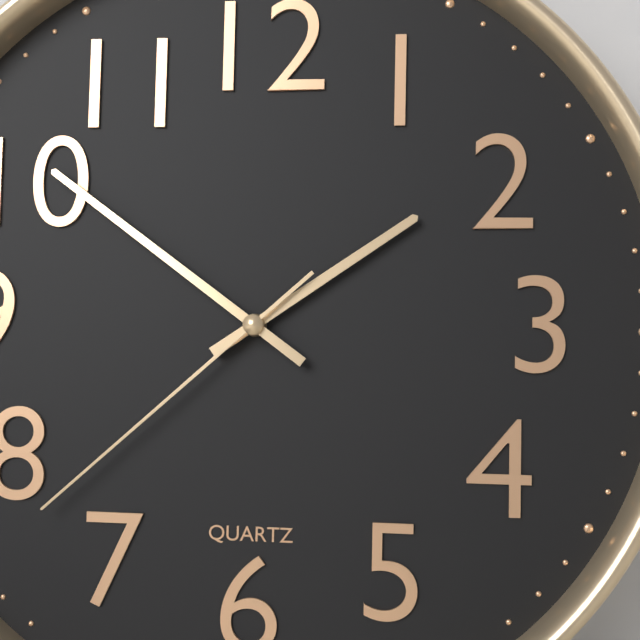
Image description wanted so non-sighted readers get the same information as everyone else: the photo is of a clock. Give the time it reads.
1:51:38
